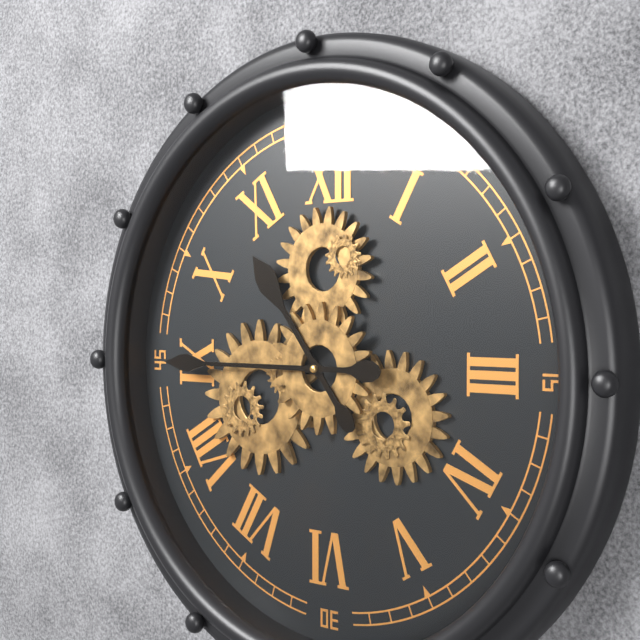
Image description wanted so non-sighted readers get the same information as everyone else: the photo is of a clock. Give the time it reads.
10:45
